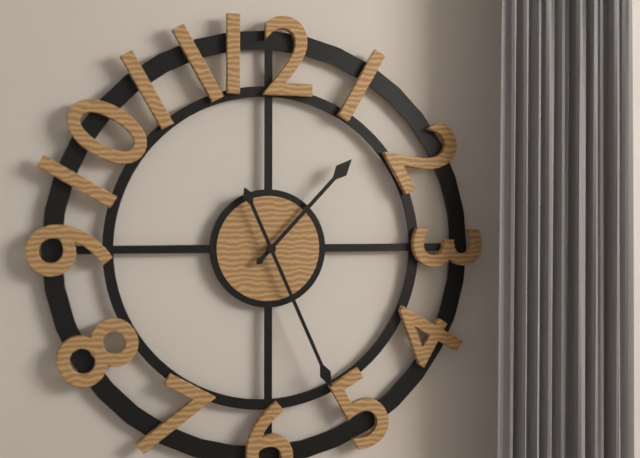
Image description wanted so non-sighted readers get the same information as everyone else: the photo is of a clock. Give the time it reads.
1:26
